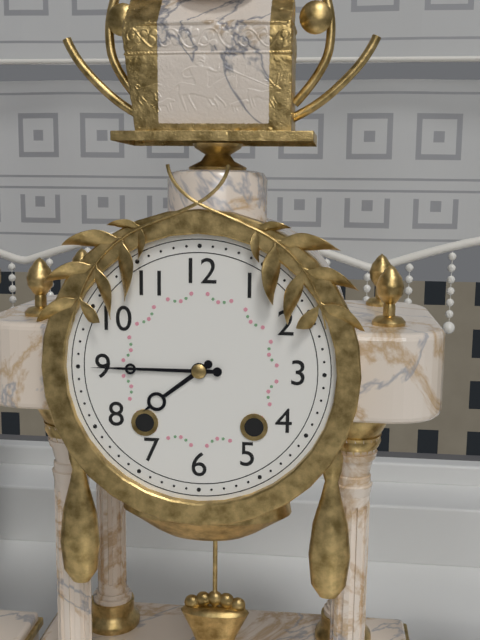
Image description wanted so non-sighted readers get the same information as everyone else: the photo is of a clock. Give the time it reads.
7:45
